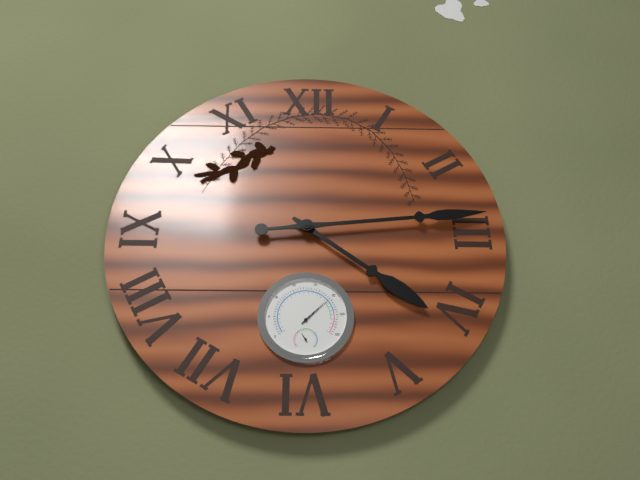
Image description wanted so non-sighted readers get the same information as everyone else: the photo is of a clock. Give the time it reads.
4:14
